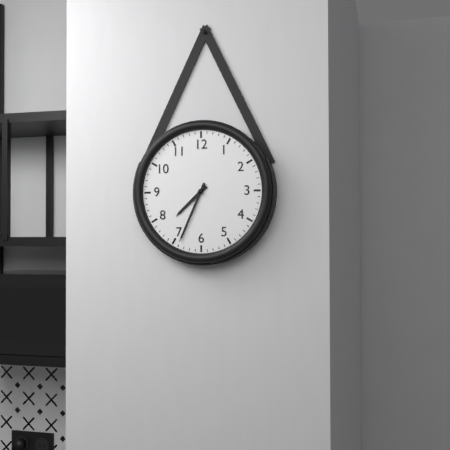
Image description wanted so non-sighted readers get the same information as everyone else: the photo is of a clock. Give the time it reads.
7:34
